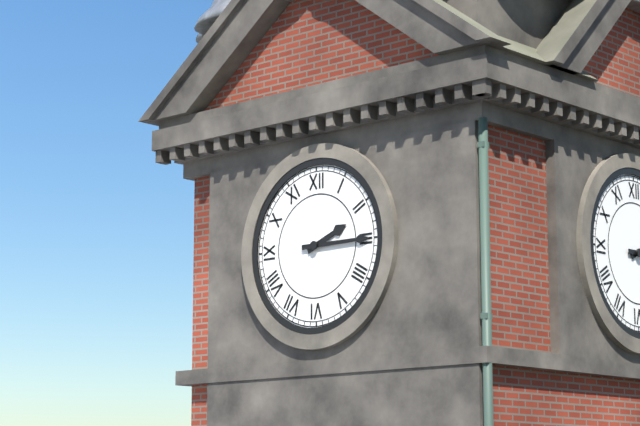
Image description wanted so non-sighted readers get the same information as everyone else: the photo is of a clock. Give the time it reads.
2:15
